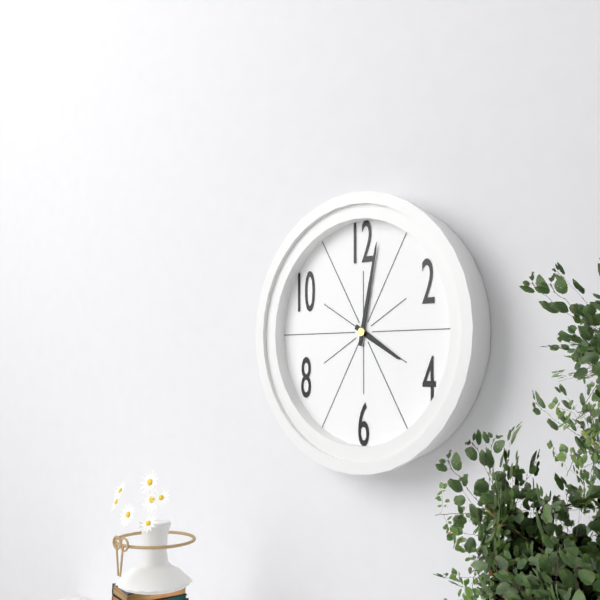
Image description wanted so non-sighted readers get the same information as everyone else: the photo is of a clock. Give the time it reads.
4:02
